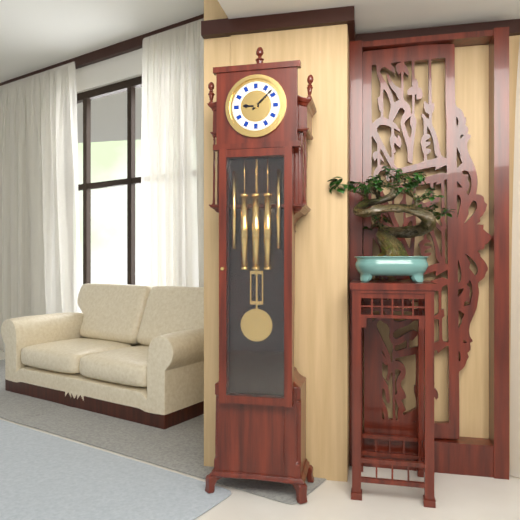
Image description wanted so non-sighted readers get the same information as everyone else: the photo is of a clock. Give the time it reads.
9:08
